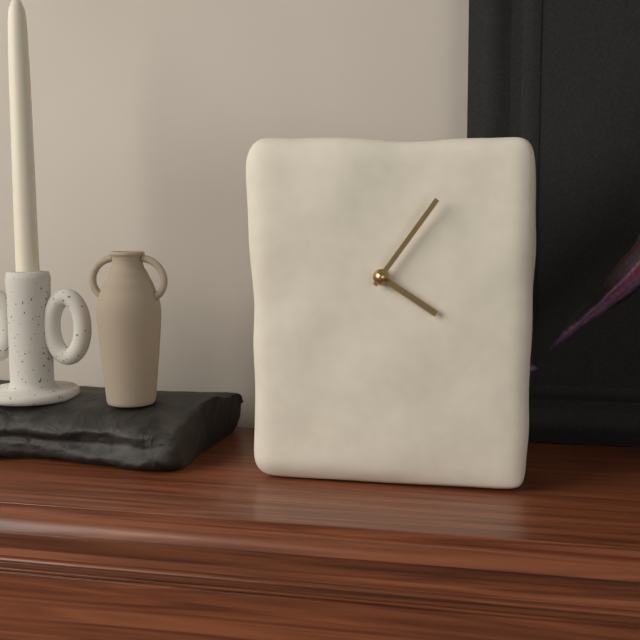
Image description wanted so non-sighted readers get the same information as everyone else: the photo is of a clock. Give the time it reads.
4:06
